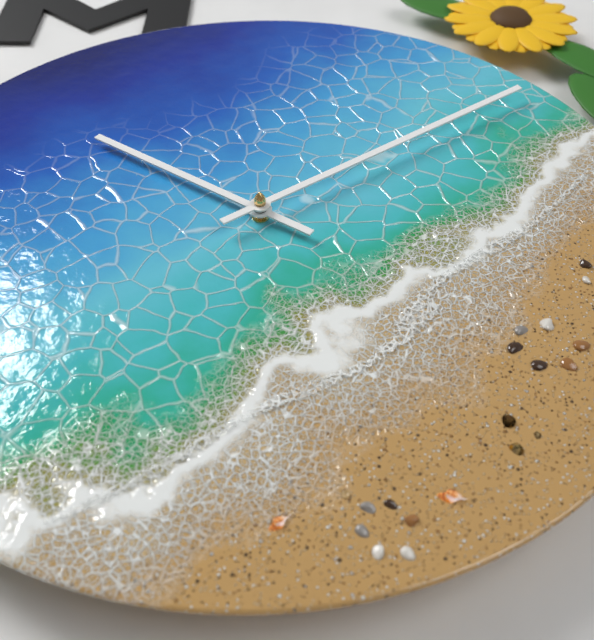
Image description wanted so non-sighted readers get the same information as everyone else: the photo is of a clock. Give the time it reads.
10:09
